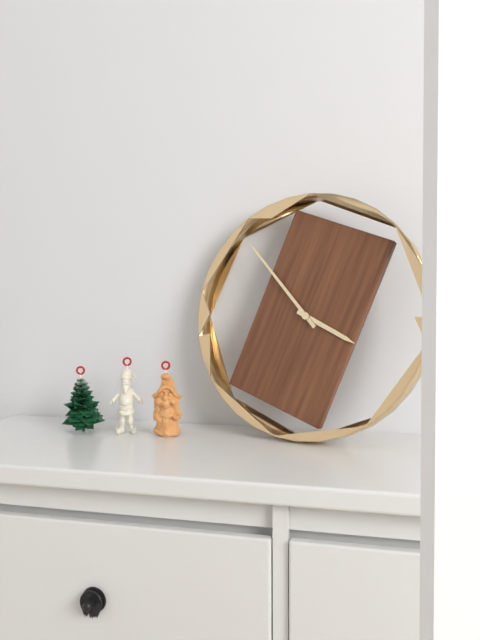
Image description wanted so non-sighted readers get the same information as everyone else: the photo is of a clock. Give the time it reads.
3:53
